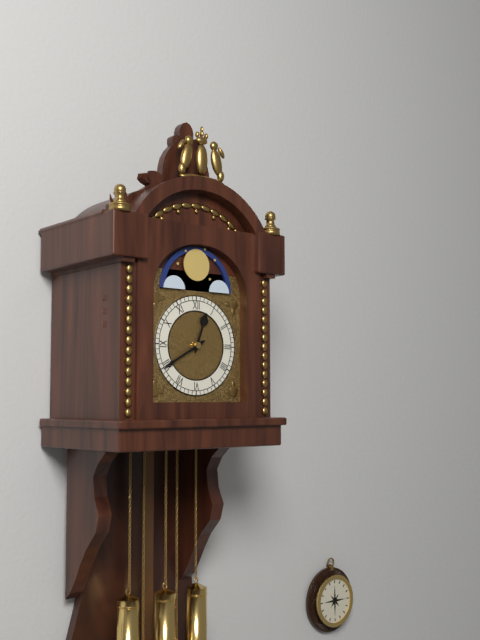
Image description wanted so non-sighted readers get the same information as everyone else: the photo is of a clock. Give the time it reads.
12:40
